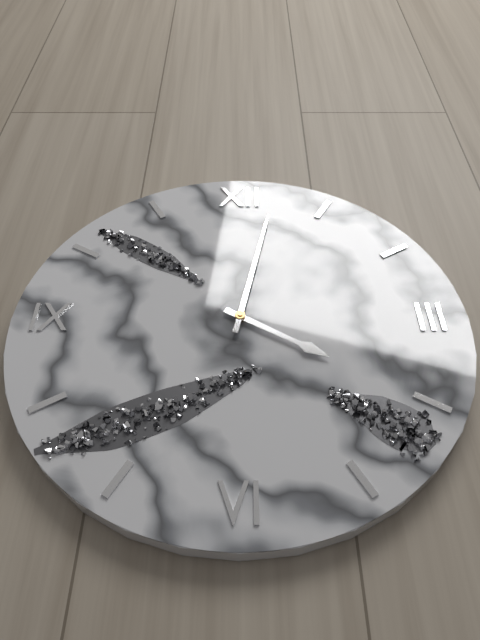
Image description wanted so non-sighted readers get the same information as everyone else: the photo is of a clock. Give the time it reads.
4:02
